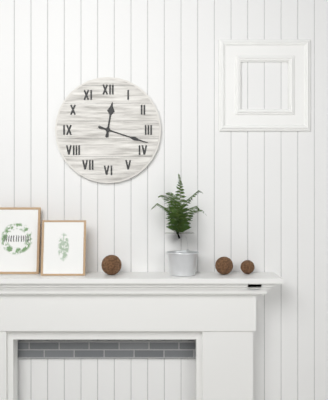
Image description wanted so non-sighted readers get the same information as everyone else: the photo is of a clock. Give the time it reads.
12:18
